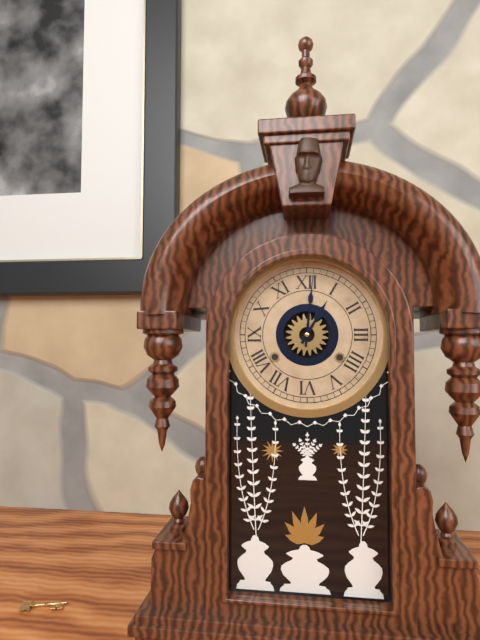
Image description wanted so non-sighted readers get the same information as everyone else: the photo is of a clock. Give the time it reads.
1:01
